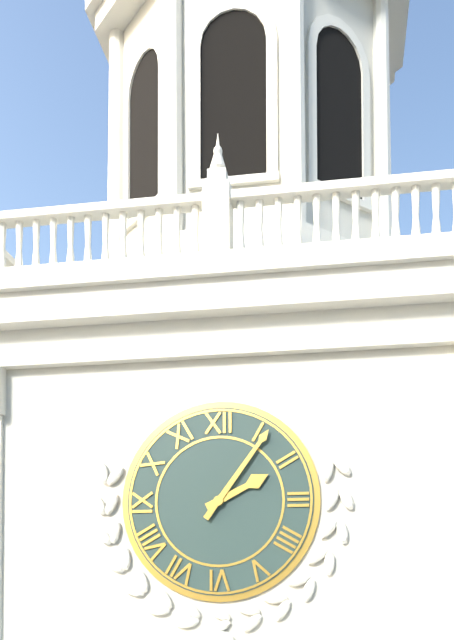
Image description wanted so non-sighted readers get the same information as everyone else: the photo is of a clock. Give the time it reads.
2:06
